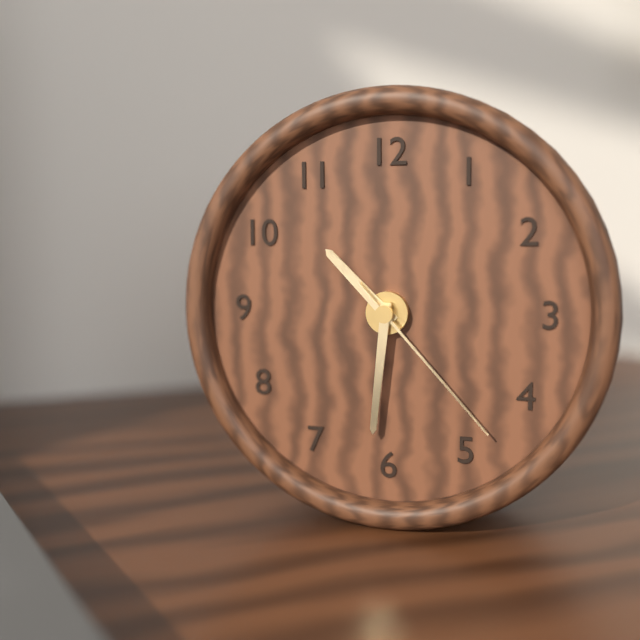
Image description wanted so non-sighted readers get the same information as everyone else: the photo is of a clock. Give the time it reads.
10:31:23
